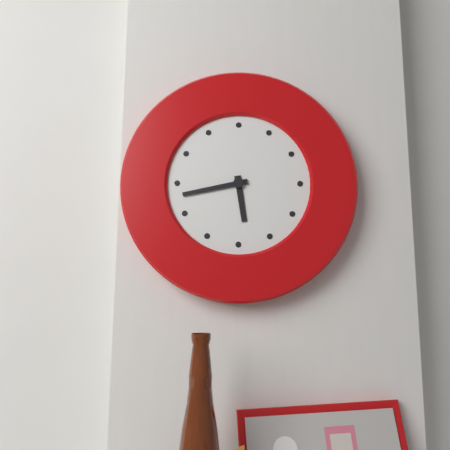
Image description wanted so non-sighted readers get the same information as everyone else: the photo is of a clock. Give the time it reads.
5:43
